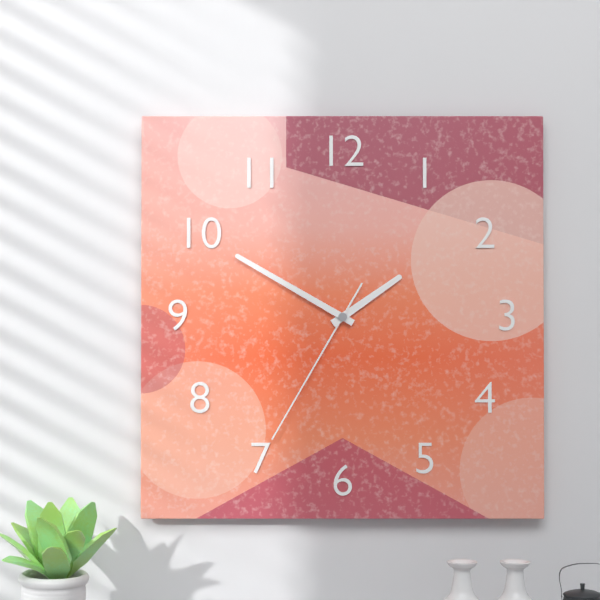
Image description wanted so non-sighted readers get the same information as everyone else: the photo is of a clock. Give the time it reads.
1:50:35
